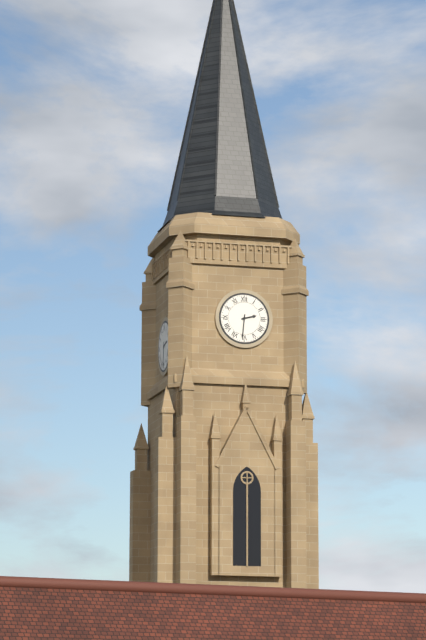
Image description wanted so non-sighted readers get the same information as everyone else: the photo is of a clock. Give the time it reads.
2:31
